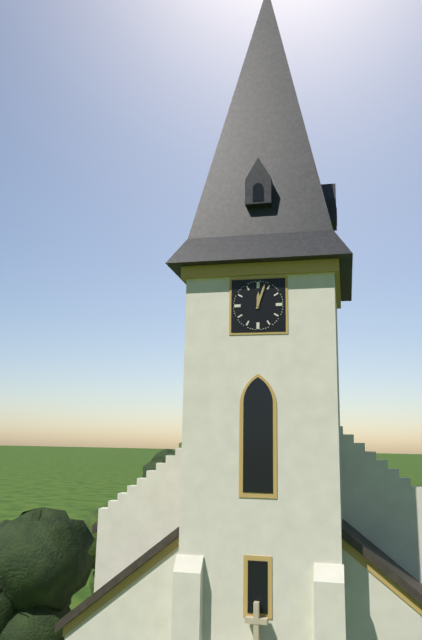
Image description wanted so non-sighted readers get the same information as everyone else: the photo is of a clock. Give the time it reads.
12:03
